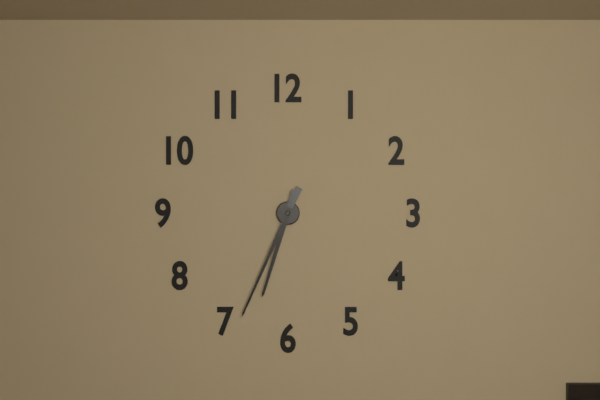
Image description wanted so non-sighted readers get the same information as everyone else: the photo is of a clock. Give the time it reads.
6:34
